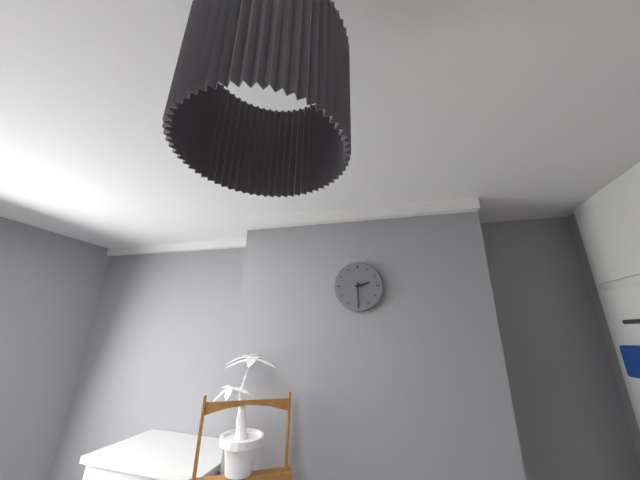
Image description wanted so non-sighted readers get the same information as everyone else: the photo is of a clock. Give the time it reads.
2:30
